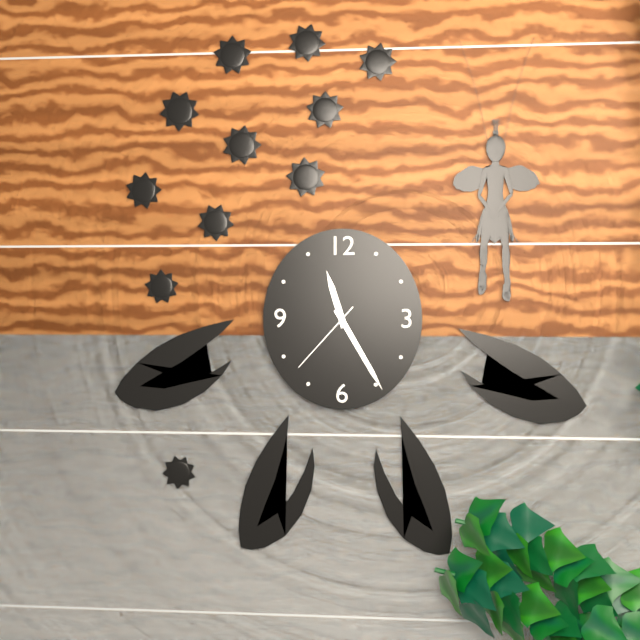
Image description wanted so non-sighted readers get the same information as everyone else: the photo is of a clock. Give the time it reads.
11:25:37
